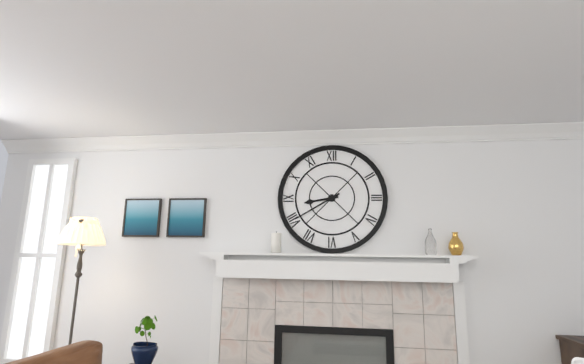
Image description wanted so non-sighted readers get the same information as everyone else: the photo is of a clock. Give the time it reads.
8:40
